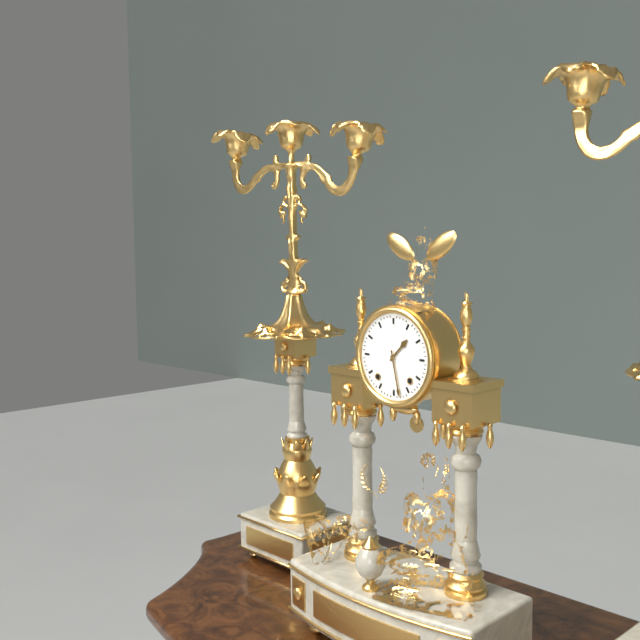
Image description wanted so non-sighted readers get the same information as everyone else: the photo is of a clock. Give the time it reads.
1:28
